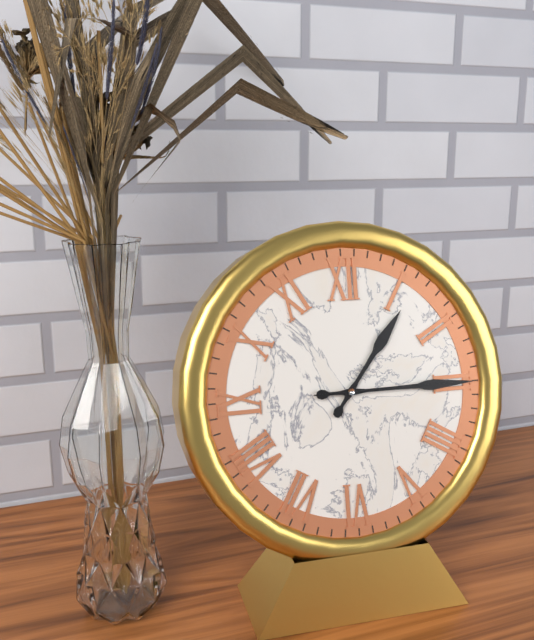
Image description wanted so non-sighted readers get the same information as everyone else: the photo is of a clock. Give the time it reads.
1:15:15
